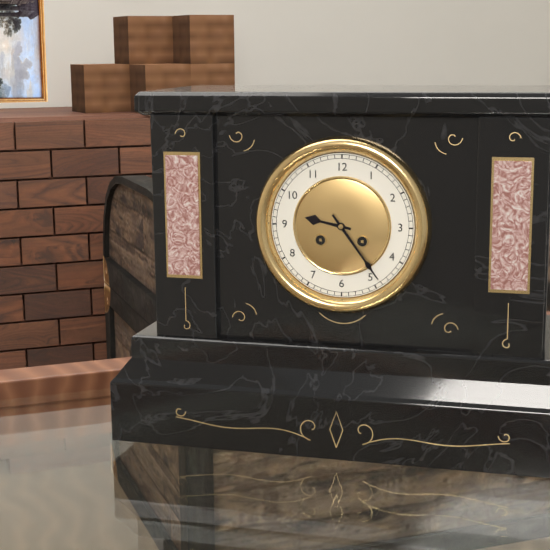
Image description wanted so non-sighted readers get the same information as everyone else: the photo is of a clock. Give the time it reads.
9:24
